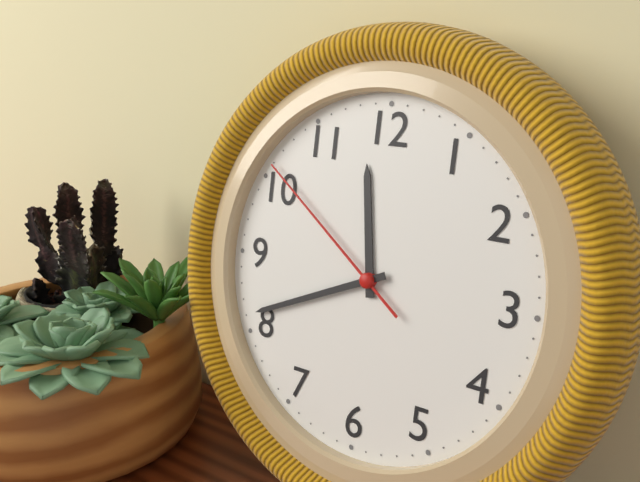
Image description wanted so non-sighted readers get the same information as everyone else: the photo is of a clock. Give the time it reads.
11:41:51
